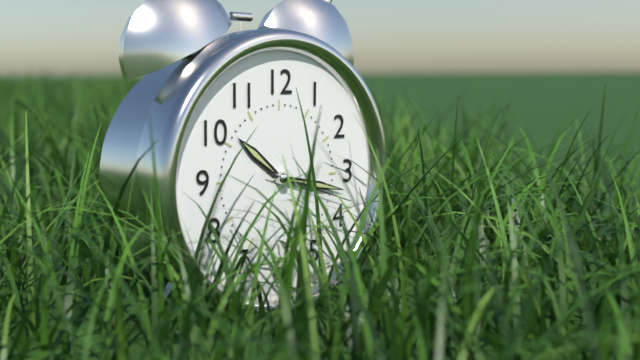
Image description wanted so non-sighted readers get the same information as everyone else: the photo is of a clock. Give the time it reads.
10:17:18
